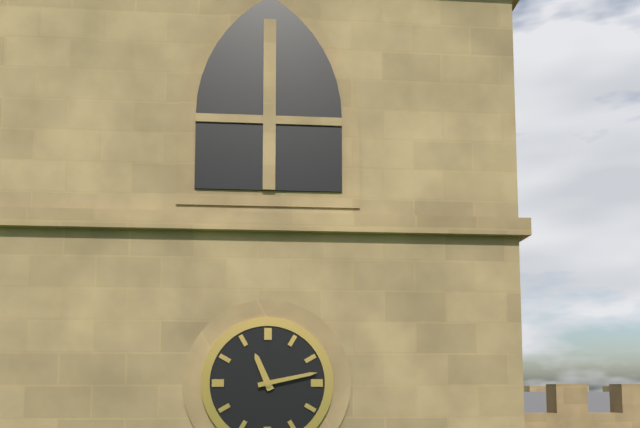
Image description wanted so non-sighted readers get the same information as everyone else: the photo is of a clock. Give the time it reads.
11:13
